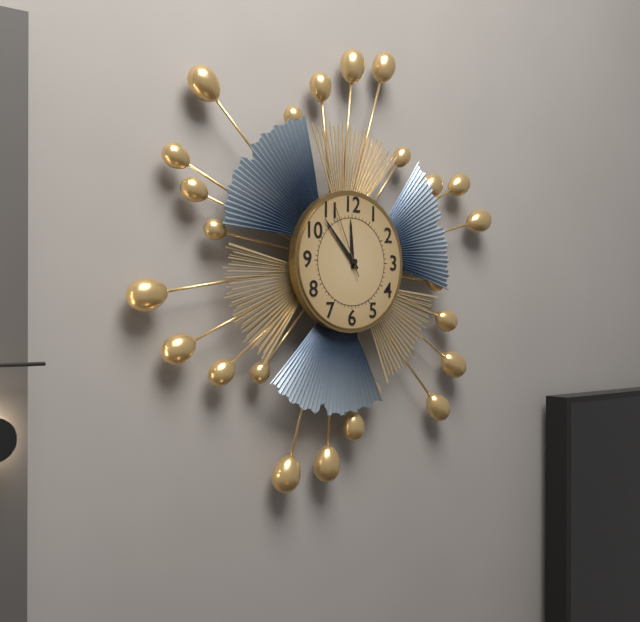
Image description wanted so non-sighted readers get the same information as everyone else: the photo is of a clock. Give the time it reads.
11:53:56
